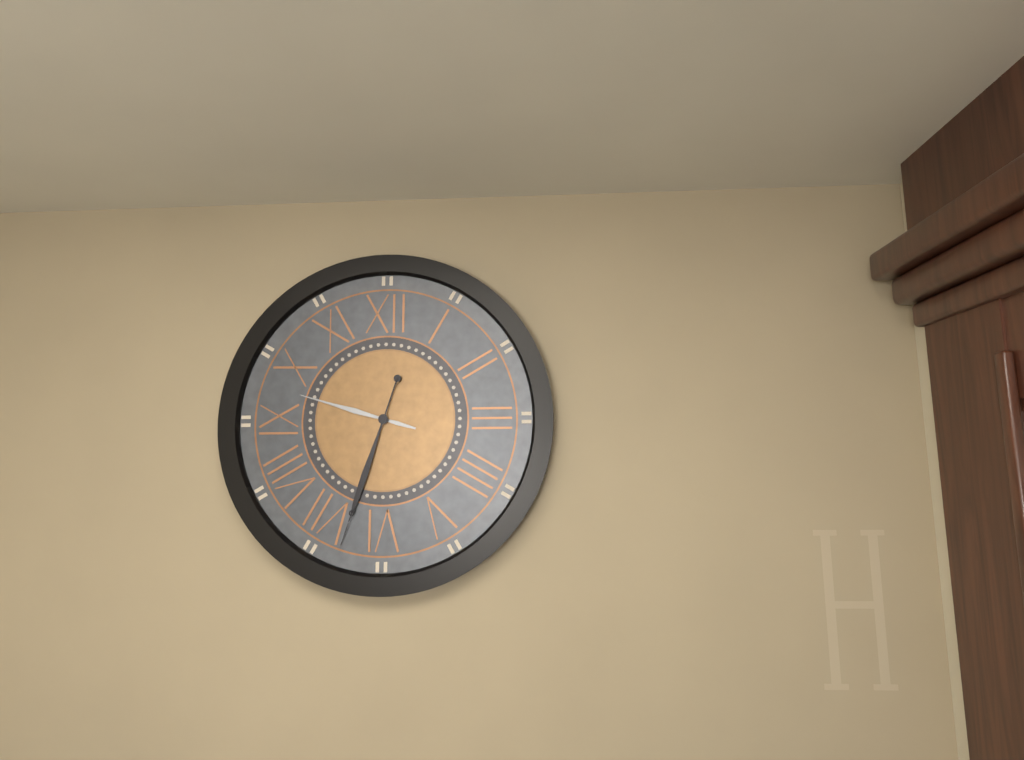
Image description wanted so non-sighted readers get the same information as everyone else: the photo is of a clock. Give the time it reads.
9:33
